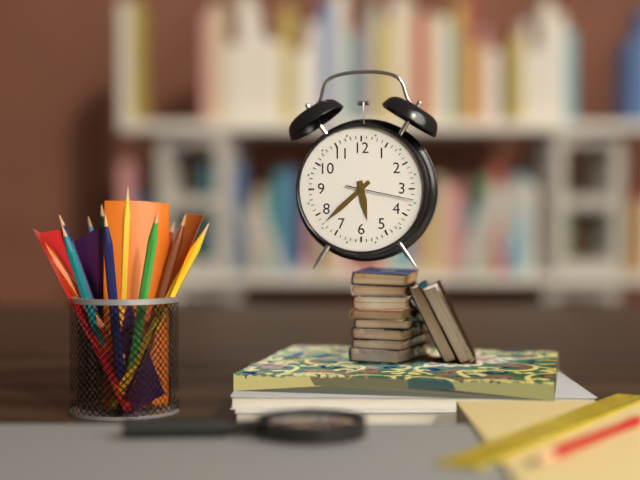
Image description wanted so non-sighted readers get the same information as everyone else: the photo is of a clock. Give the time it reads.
5:38:17
